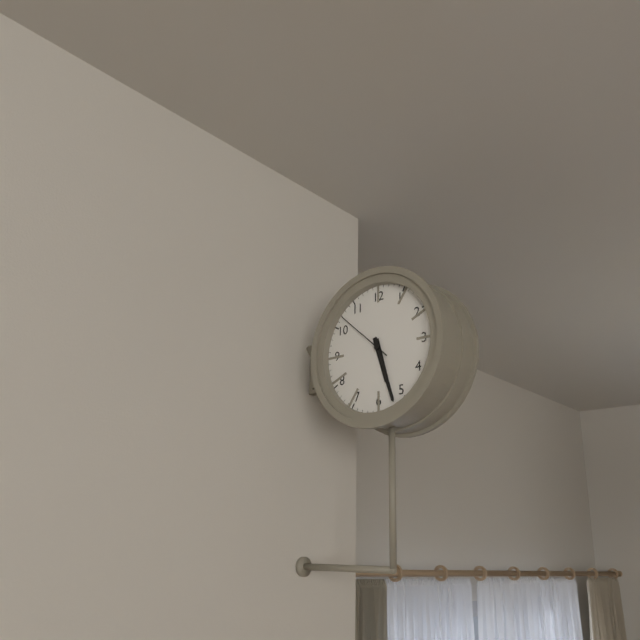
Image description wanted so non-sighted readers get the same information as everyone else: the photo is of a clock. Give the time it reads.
5:27:52
